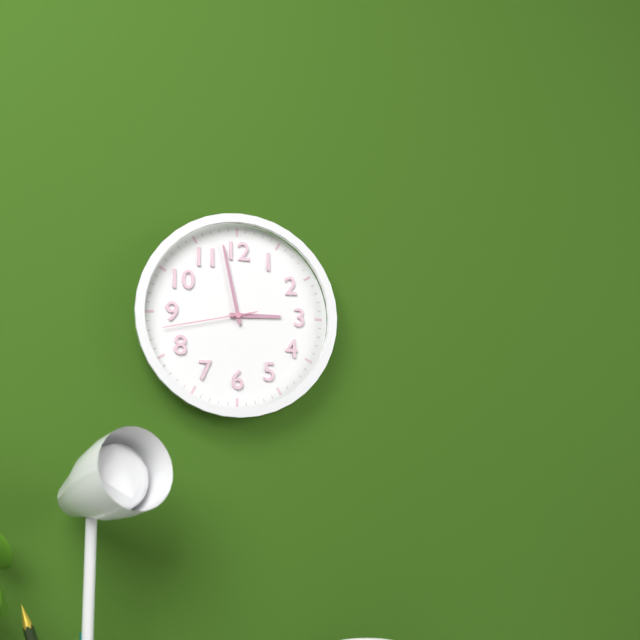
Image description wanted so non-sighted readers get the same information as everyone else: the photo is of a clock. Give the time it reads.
2:58:43
